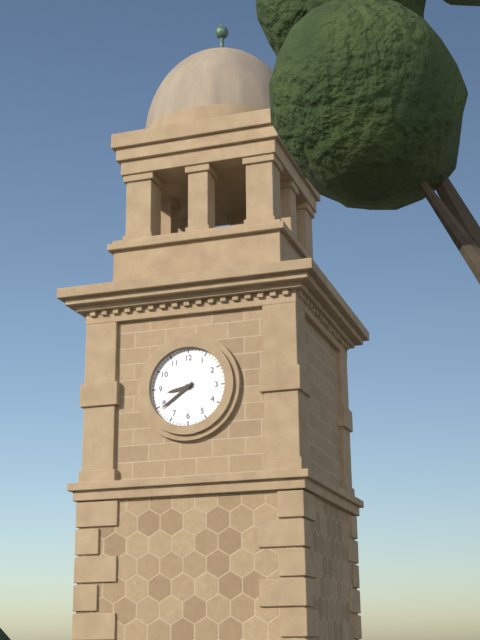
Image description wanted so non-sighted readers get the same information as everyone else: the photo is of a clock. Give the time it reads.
8:39
